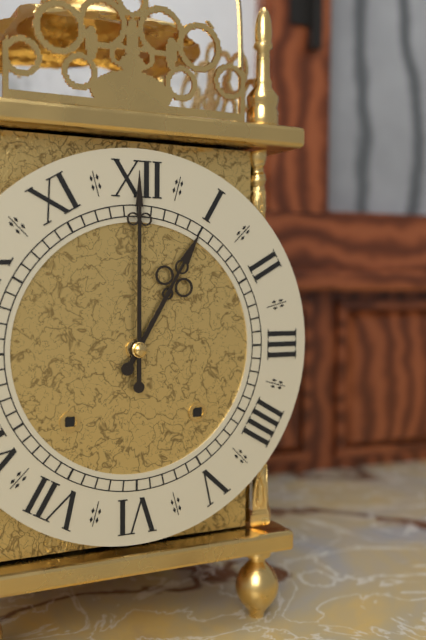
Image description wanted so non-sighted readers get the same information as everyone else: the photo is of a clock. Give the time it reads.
1:00
